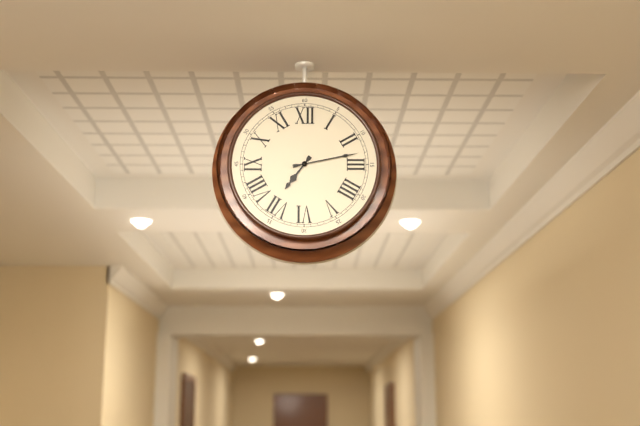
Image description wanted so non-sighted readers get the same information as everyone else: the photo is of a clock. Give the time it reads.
7:13
